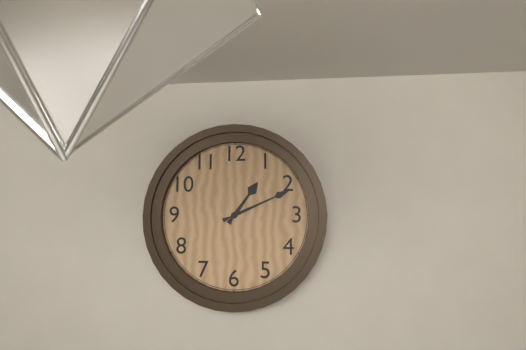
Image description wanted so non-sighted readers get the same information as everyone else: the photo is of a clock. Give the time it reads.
1:11
